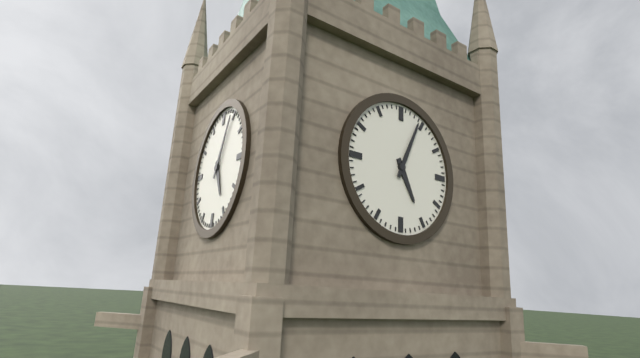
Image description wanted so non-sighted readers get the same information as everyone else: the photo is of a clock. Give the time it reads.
5:04
